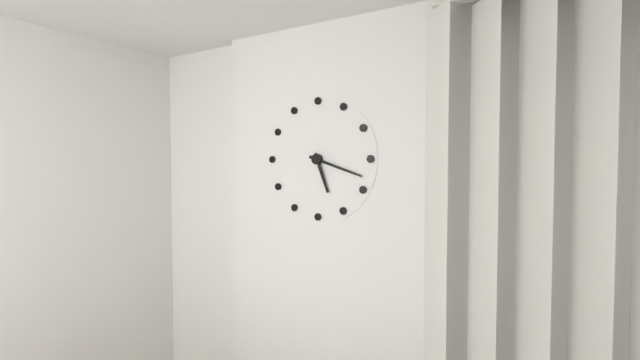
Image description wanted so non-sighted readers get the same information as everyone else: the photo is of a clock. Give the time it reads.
5:18
